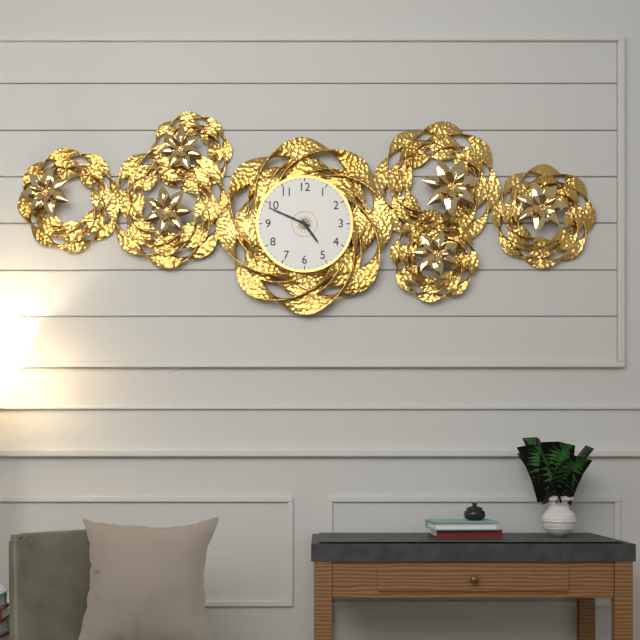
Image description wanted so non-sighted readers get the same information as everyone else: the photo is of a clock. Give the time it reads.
4:49
